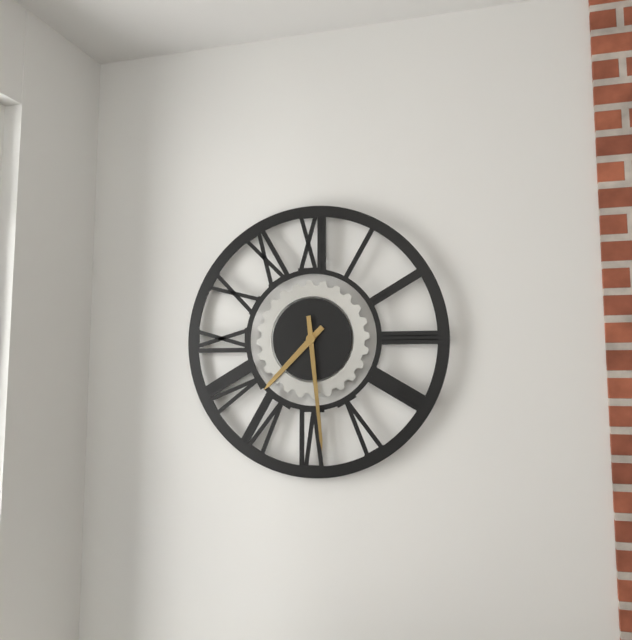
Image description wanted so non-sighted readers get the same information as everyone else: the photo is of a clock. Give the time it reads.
7:29
